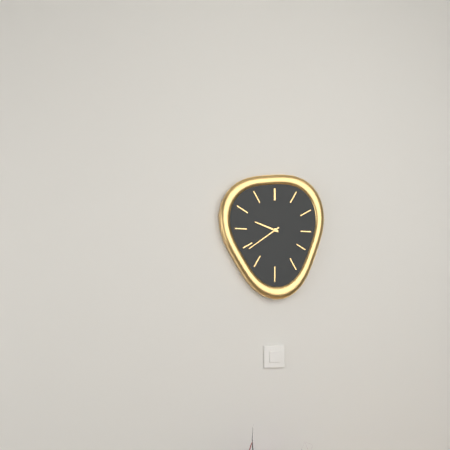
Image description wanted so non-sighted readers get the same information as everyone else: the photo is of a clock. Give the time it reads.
9:39
